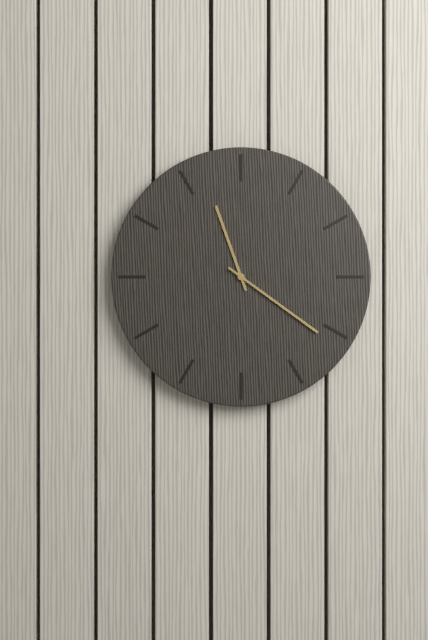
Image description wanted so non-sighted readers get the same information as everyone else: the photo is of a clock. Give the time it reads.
11:21
